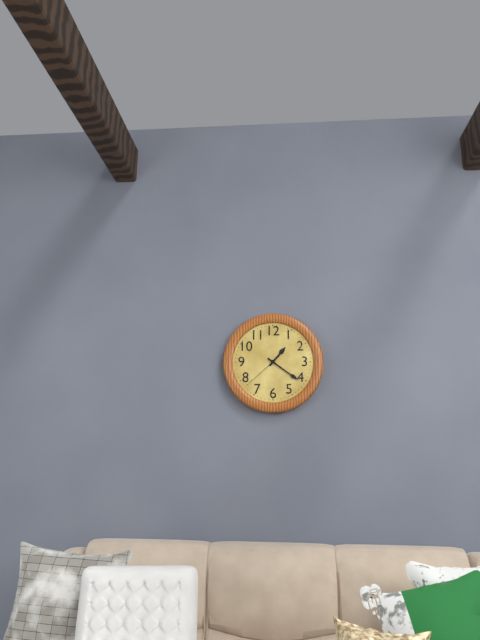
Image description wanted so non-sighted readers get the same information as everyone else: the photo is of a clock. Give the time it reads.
1:21
